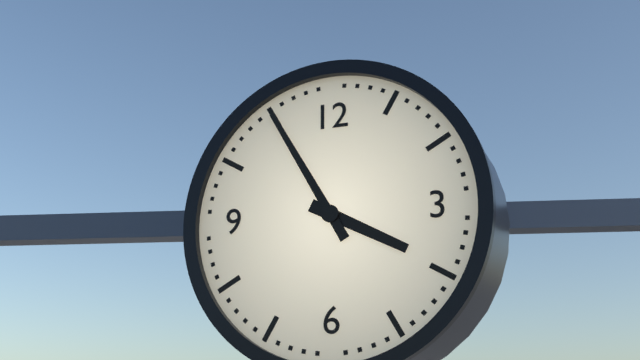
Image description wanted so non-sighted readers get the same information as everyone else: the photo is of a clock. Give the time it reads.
3:55
